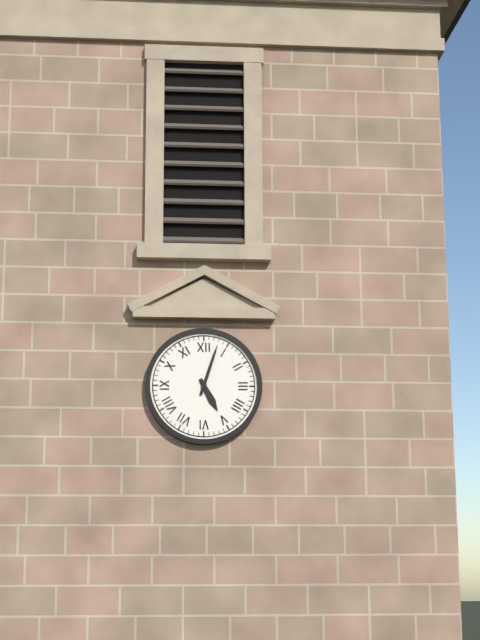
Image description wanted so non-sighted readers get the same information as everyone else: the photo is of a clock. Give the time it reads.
5:03
